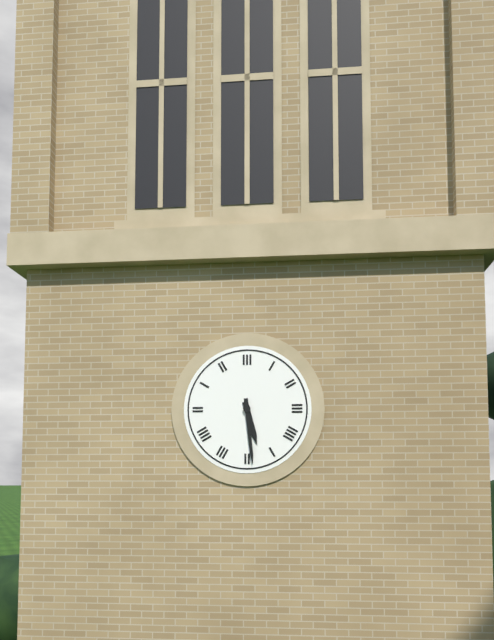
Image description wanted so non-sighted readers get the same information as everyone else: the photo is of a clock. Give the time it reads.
5:29
